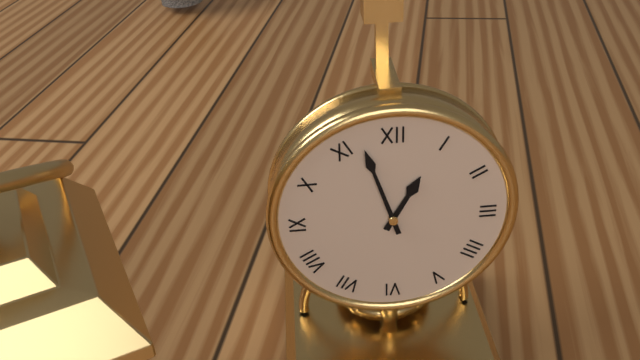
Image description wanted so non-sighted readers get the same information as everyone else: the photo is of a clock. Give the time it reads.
12:57
